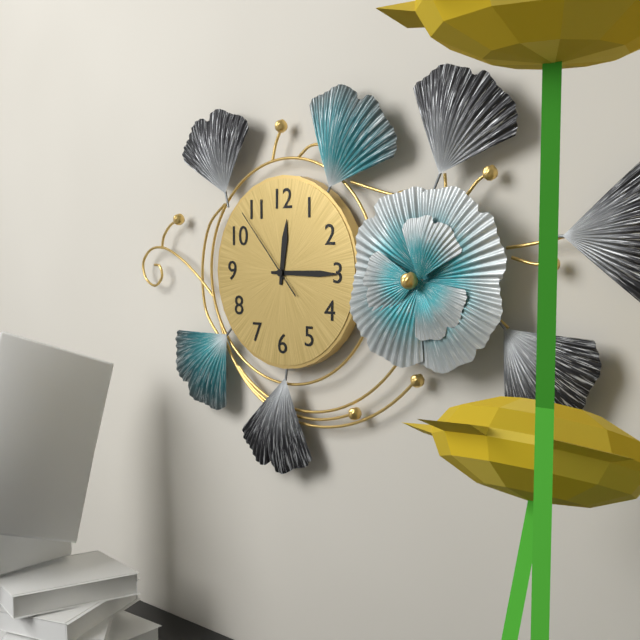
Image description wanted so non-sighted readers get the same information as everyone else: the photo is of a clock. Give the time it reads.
12:15:53
